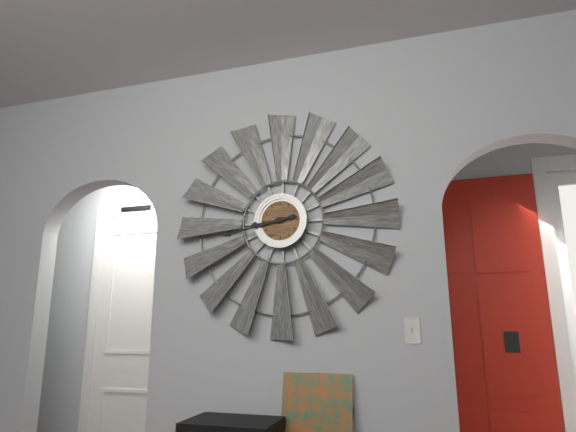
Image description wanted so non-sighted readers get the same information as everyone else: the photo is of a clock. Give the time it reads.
8:43
